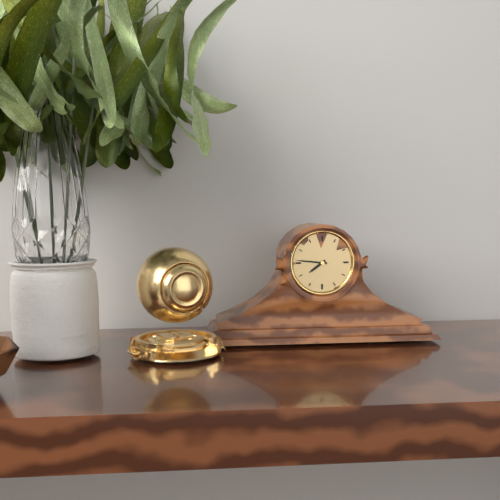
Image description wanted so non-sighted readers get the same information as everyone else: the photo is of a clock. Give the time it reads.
7:46
